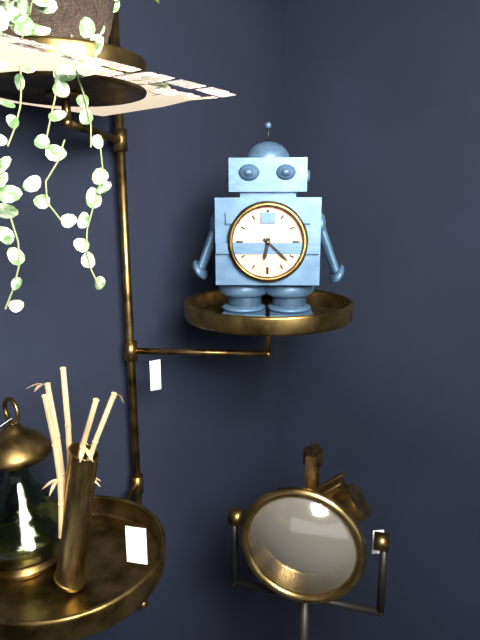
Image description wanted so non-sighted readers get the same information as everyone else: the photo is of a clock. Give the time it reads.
6:22
